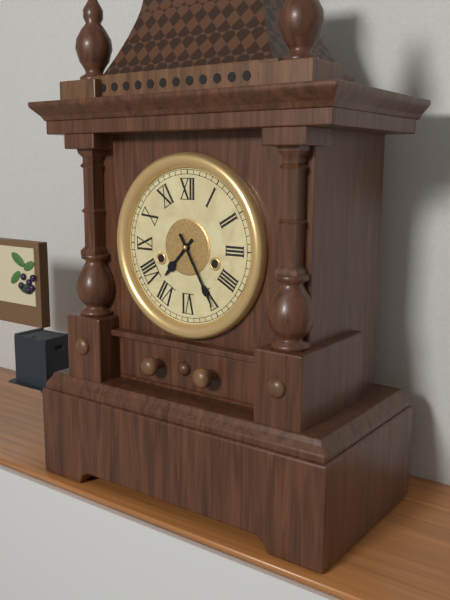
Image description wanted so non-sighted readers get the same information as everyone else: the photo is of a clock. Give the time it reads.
7:25
